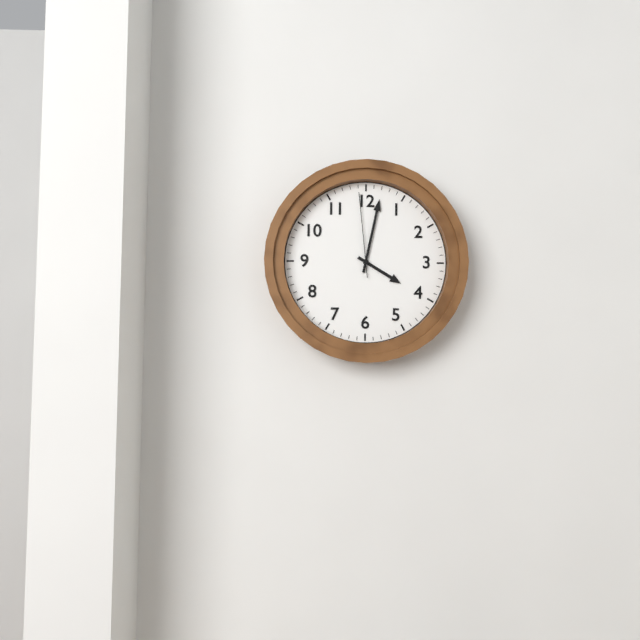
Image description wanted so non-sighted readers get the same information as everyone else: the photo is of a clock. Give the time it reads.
4:02:59
